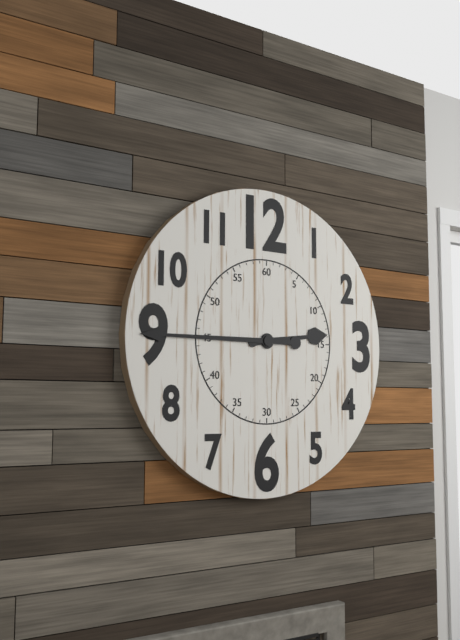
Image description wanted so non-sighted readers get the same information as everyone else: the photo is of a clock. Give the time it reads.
2:45
